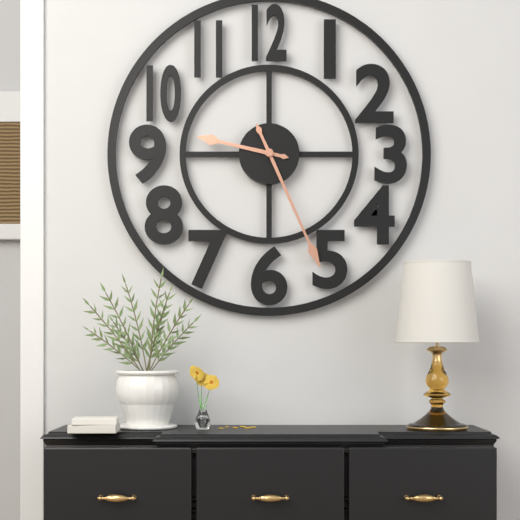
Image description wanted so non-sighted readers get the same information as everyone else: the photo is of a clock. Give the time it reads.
9:26
